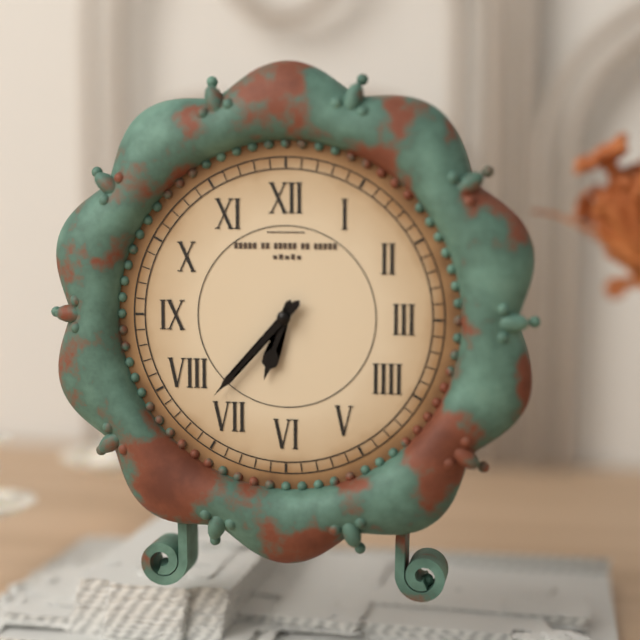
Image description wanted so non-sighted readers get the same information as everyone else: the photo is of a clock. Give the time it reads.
6:37
